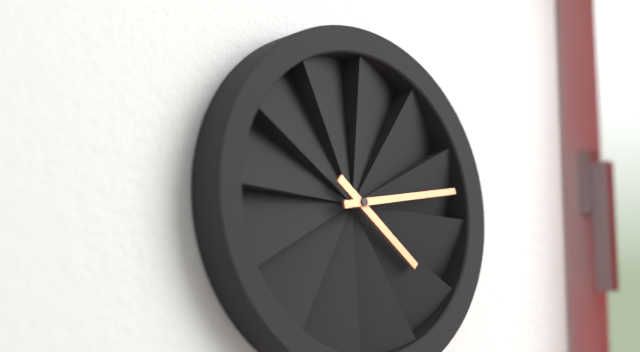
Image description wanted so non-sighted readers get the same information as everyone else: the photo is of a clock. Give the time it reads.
4:13
